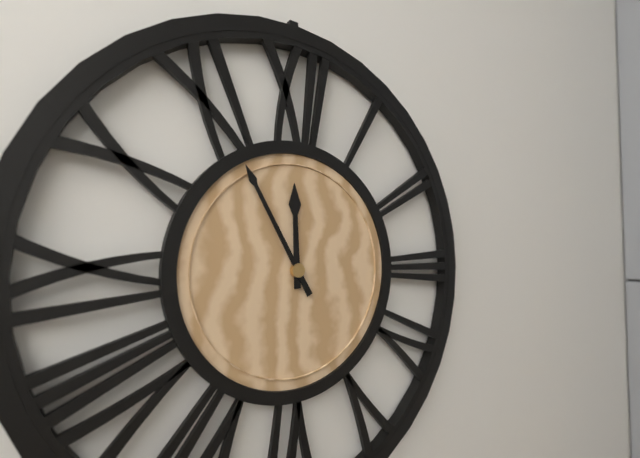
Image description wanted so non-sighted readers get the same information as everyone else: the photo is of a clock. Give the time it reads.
11:55
